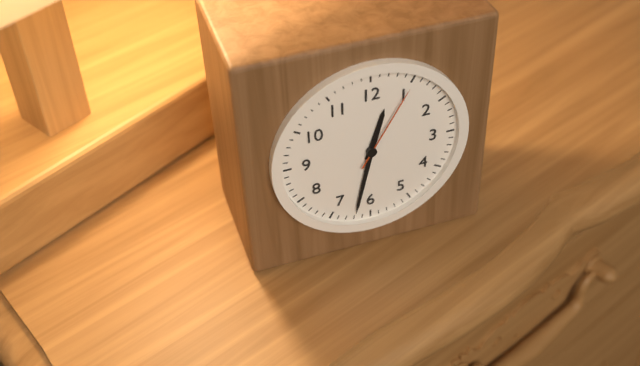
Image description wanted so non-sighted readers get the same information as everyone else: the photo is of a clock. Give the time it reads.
12:32:05
